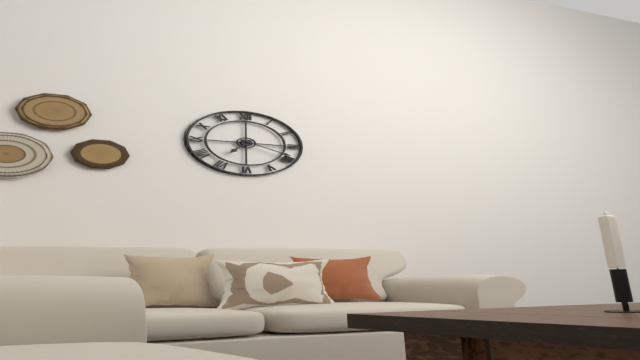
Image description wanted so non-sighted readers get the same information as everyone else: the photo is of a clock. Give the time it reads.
7:19
